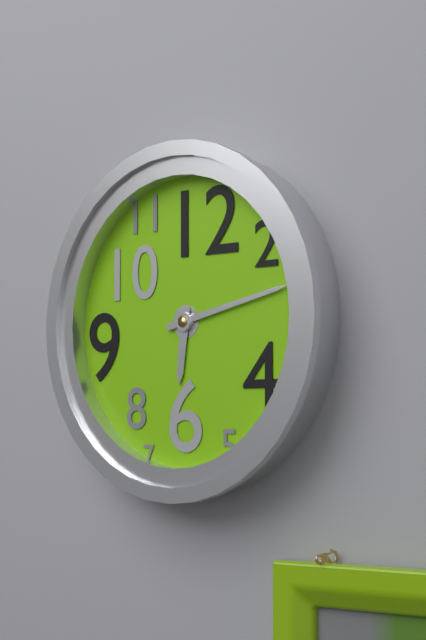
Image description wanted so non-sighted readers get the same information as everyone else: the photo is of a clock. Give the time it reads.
6:13
